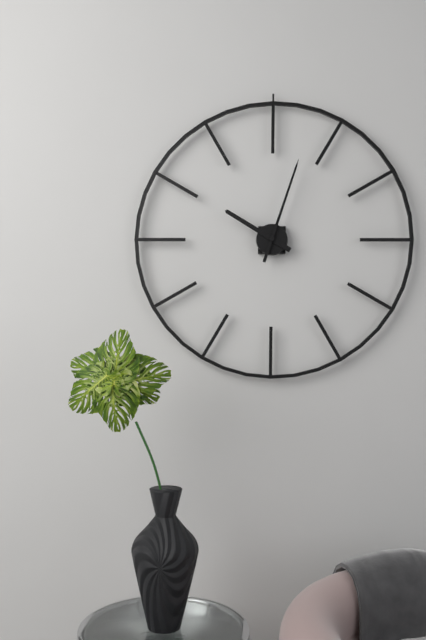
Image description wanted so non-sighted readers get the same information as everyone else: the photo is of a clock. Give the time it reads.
10:03
